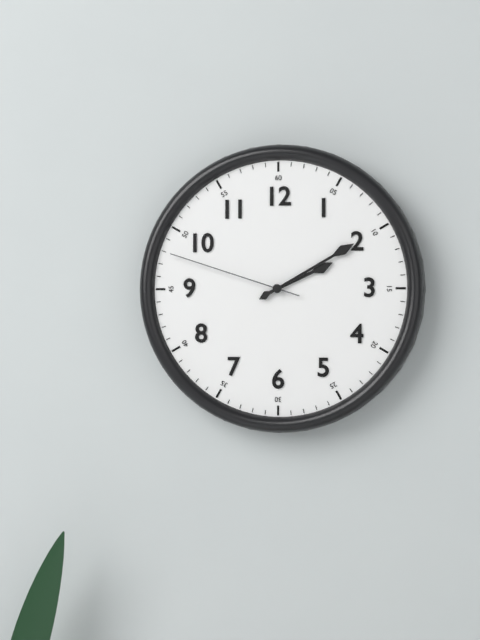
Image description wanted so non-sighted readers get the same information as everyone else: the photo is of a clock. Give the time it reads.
2:10:48
